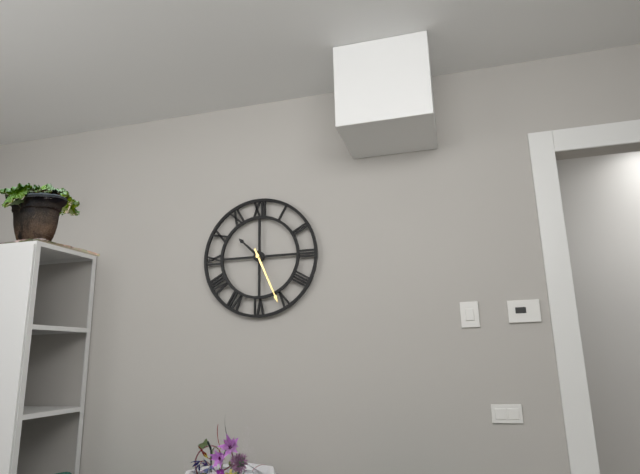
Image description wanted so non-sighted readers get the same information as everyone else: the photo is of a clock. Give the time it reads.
10:26
